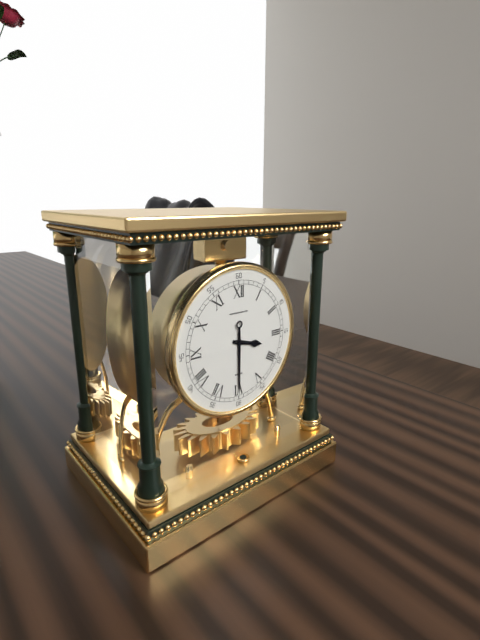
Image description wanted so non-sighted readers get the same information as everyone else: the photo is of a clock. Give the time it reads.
3:30
